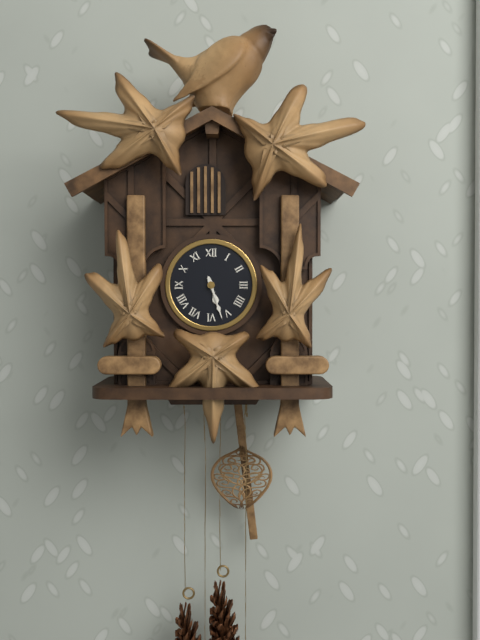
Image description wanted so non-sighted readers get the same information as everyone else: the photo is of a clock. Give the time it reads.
5:27
